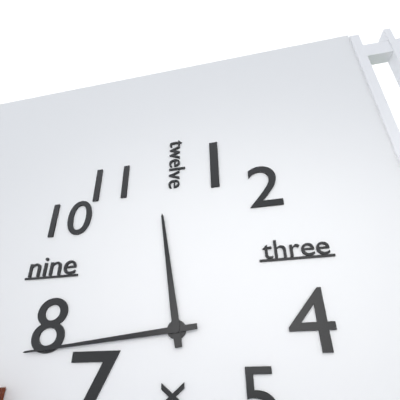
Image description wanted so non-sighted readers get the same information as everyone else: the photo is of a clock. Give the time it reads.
11:44
